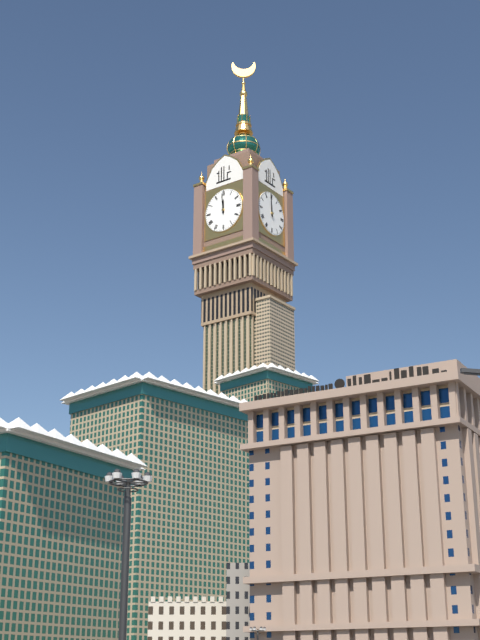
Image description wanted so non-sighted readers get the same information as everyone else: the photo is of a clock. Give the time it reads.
11:59
